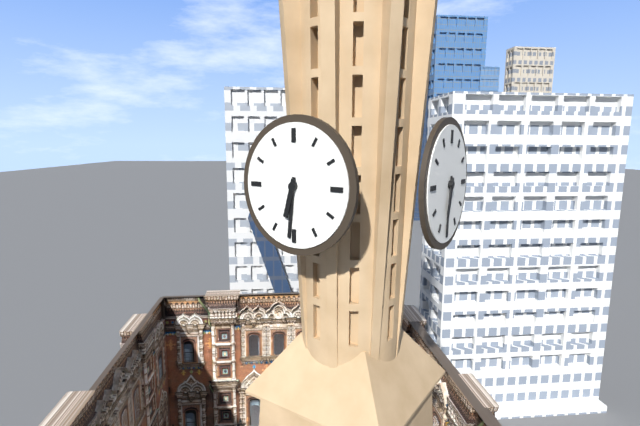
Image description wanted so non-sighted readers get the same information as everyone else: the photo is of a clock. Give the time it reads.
6:31
